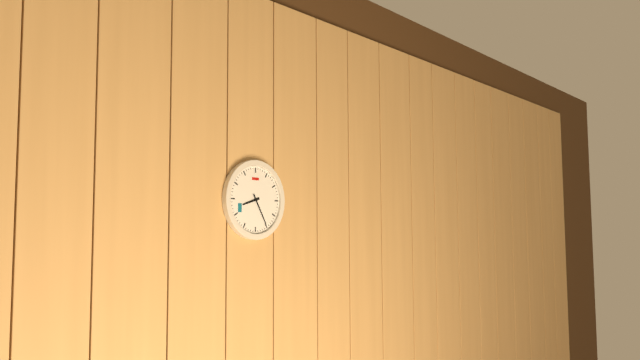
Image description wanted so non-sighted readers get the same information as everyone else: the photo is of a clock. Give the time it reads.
8:25
